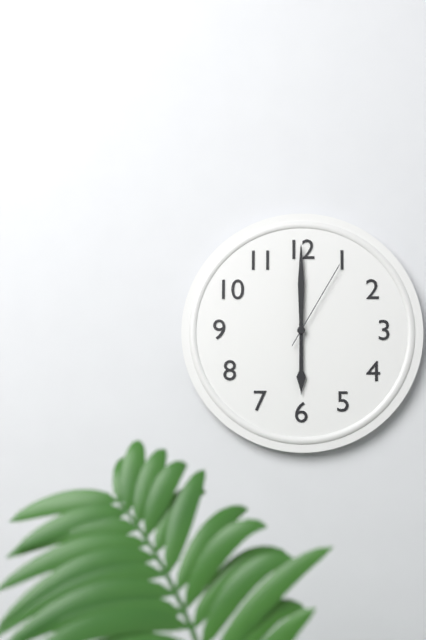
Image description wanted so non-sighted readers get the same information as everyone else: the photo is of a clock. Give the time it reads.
6:00:05
